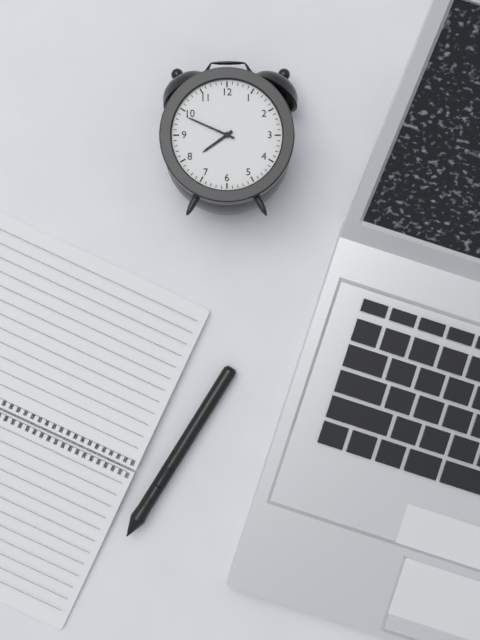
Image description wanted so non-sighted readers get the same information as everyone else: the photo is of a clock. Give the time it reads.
7:49
